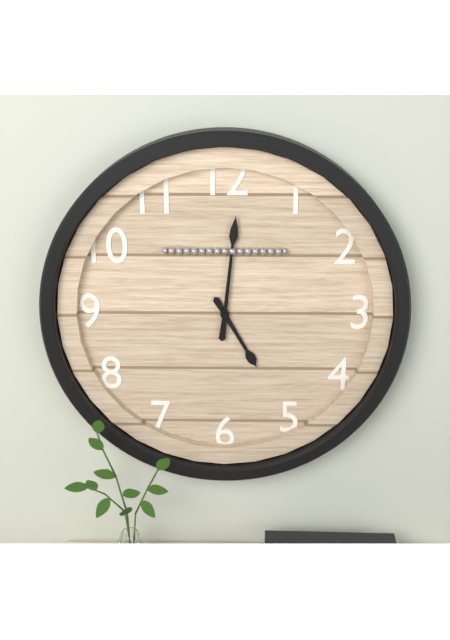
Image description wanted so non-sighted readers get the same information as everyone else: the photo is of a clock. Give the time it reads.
5:01
